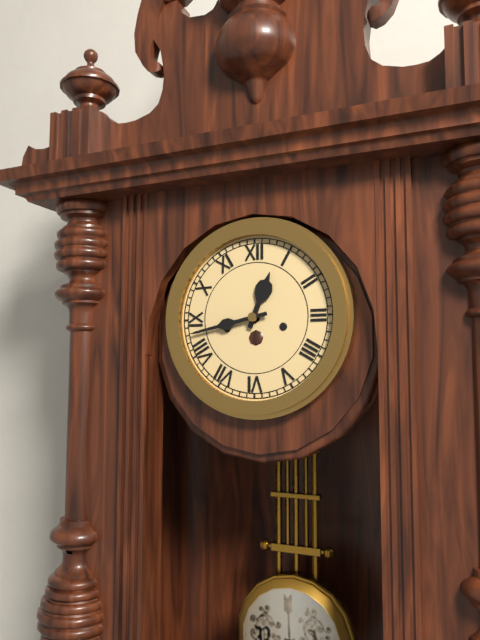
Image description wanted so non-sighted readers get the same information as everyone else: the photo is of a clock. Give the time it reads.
12:43
